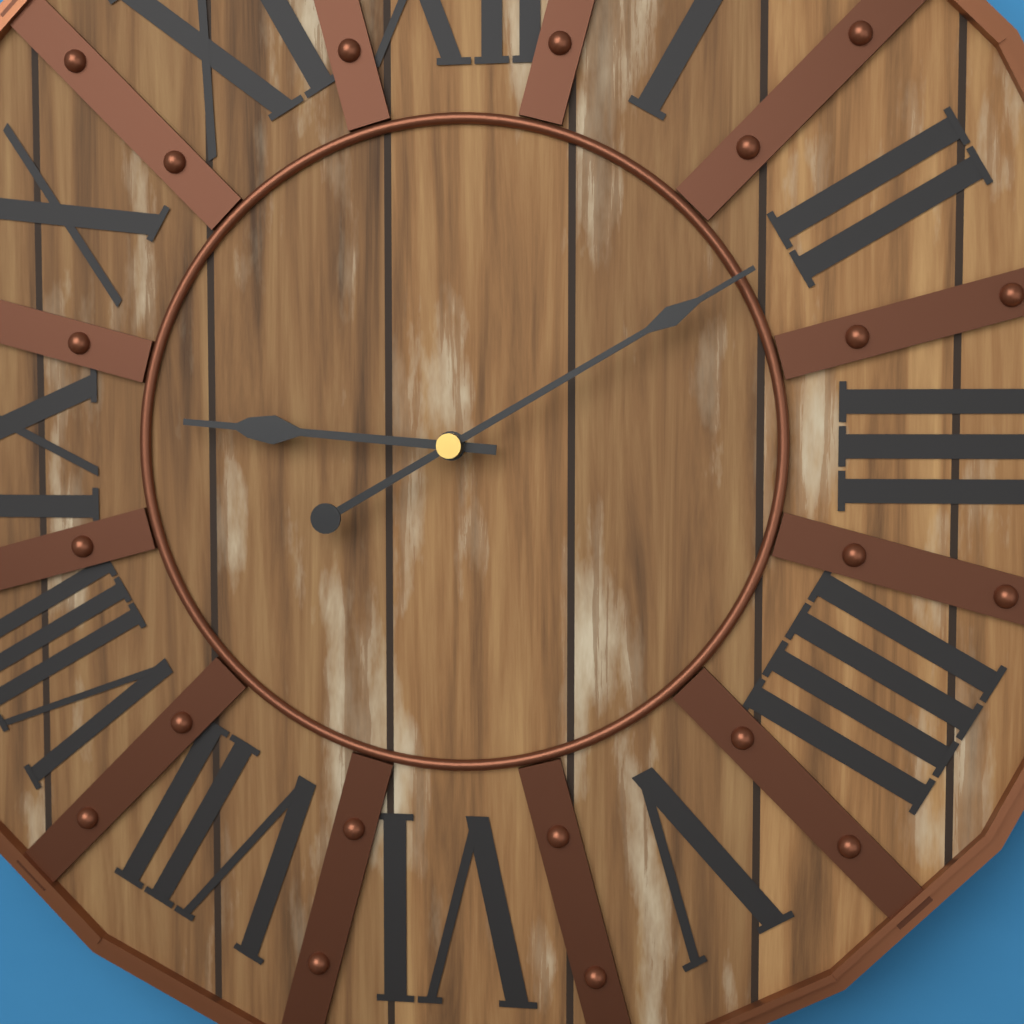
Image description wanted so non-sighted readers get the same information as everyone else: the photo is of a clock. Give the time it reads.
9:10
